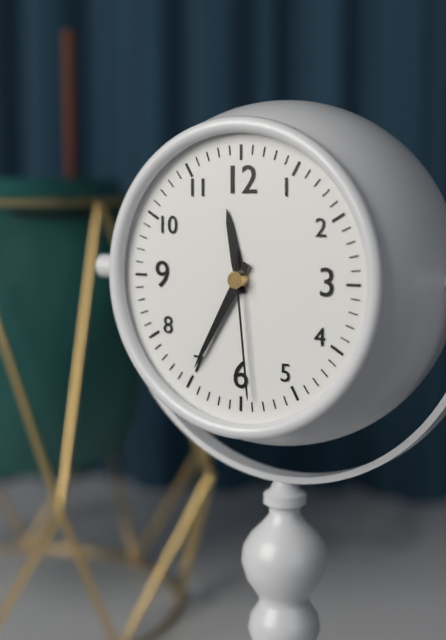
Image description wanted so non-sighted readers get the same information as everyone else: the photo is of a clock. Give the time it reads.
11:35:29
